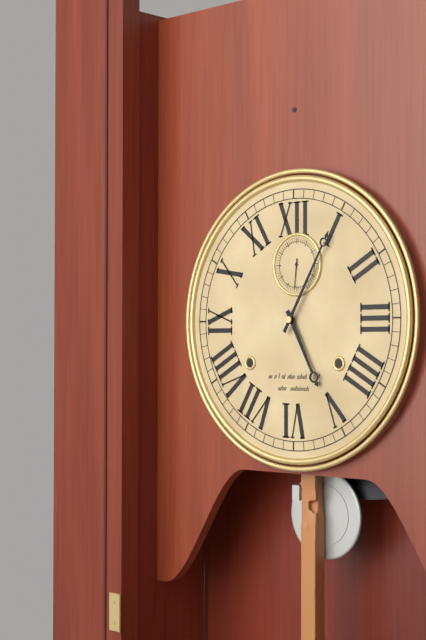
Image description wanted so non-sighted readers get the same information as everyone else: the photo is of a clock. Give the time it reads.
5:05
